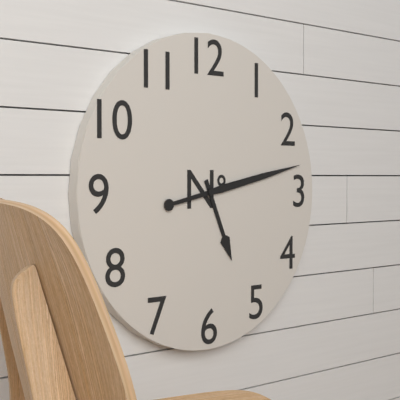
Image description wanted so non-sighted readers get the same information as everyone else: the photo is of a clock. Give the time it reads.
5:13
